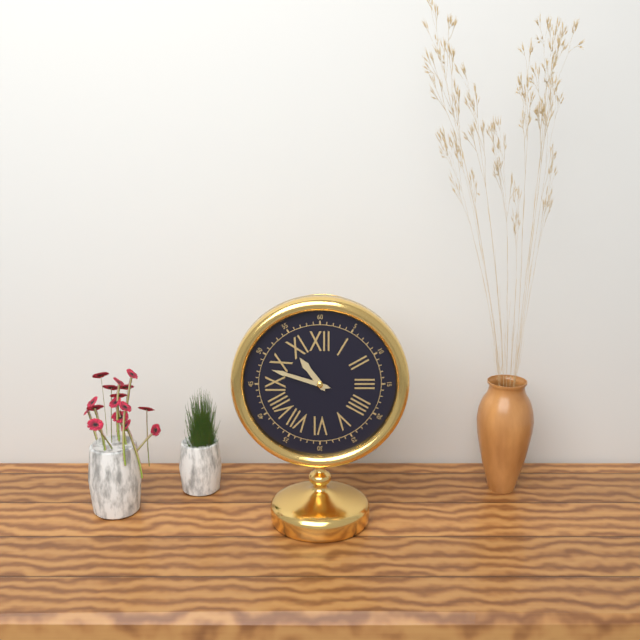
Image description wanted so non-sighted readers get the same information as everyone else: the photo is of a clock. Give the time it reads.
10:48
